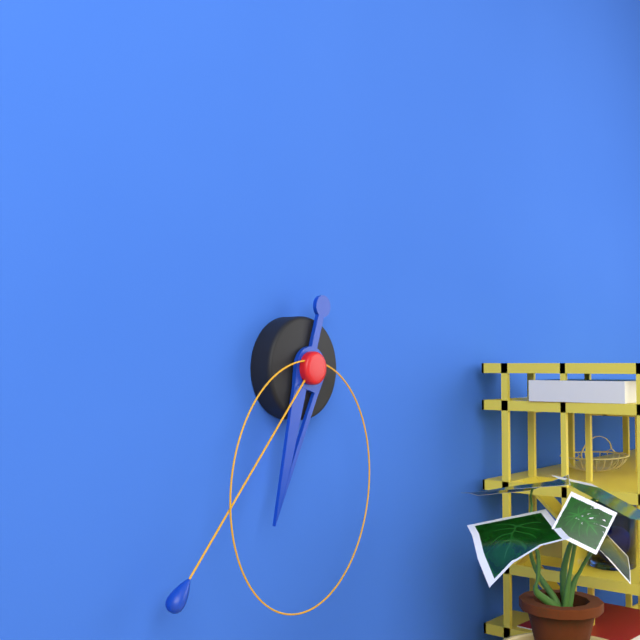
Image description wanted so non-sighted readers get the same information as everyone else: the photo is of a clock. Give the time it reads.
6:37:31
